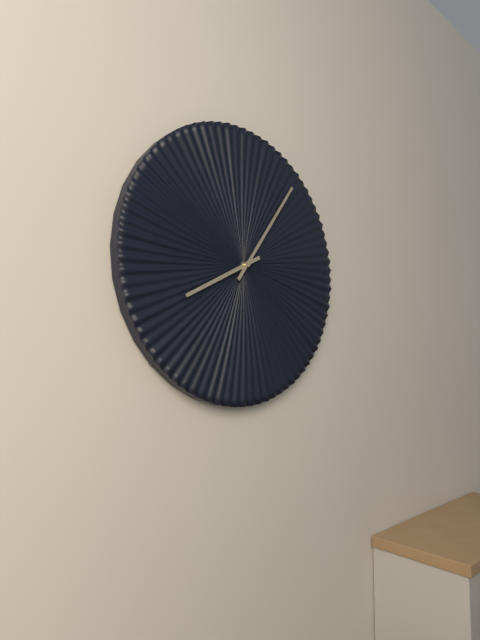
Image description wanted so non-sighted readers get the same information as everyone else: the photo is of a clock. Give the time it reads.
8:06
